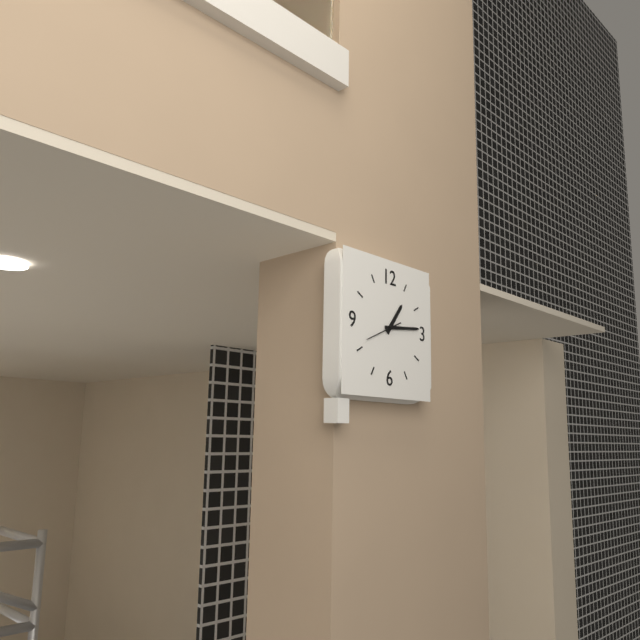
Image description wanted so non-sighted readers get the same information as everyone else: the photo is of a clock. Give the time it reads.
1:14
